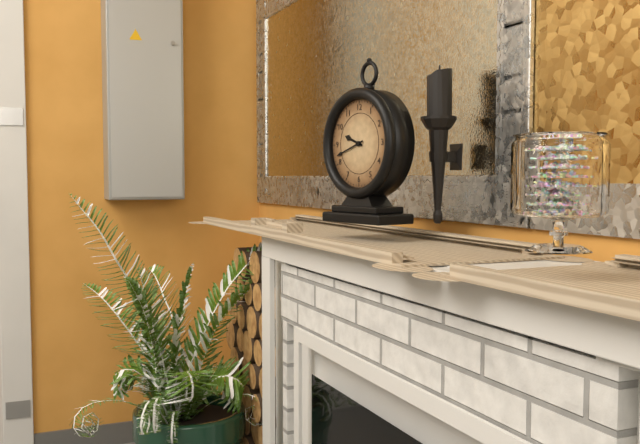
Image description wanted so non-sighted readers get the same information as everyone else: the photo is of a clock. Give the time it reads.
9:42
